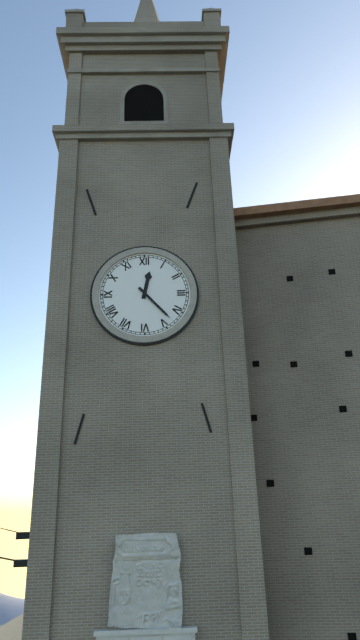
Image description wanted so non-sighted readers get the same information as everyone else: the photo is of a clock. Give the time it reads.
12:23
